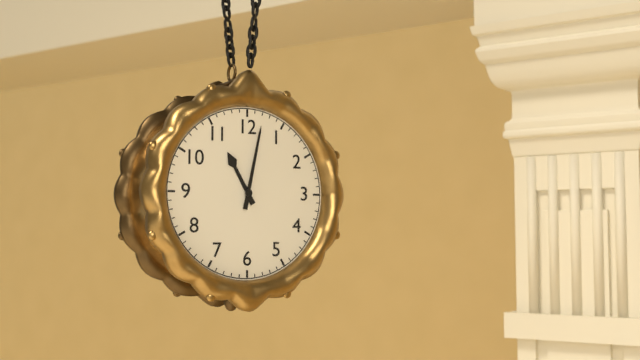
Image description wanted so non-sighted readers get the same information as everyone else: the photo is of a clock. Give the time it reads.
11:02
